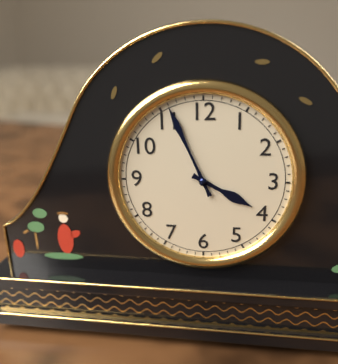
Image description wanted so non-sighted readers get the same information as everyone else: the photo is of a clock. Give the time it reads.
3:56
